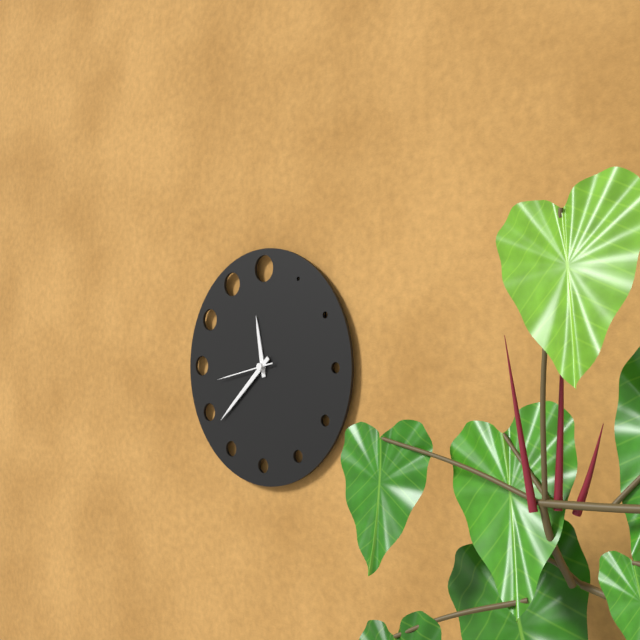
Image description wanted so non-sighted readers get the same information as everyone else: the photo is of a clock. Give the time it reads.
11:38:43
